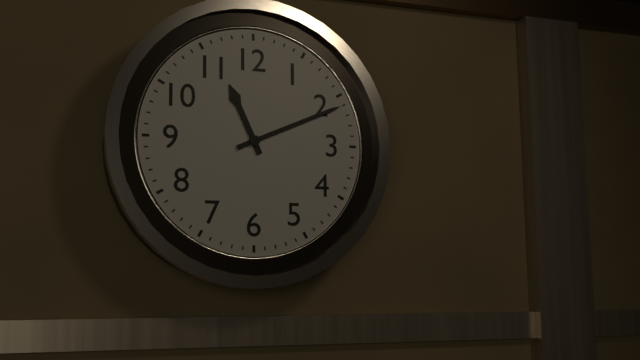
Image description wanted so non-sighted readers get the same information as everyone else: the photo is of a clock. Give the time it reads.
11:11
